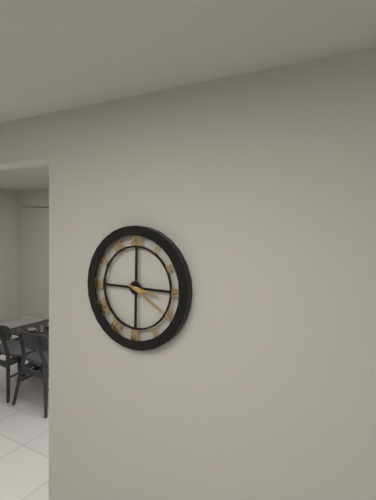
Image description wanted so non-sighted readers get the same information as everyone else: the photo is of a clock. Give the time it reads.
3:20
